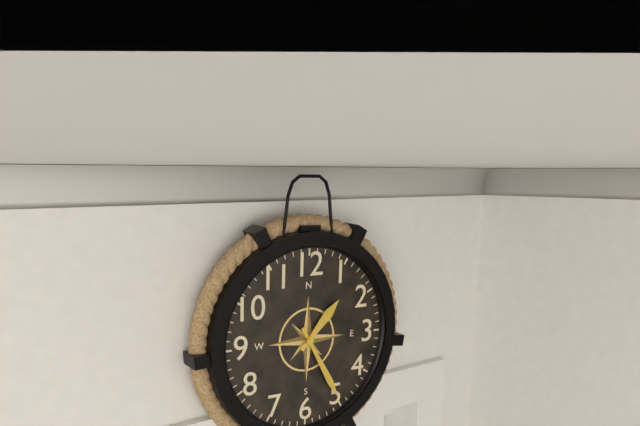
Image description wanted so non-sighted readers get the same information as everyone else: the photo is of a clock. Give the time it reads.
1:25
